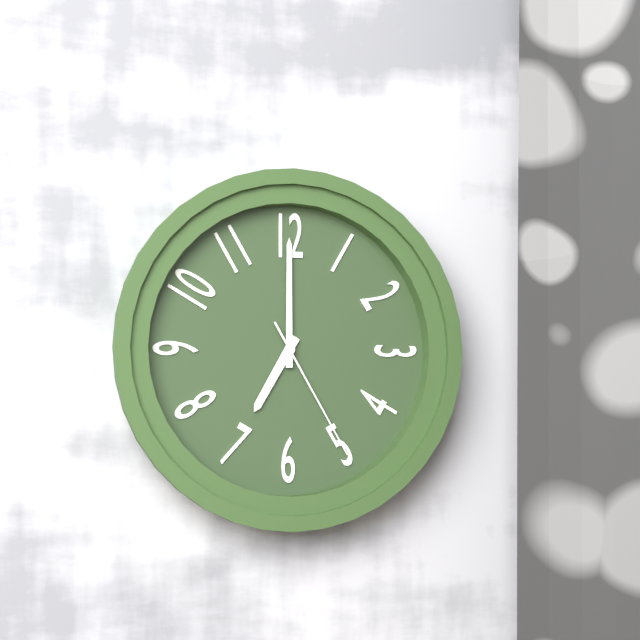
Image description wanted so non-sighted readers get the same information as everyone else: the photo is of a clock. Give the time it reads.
7:00:25
